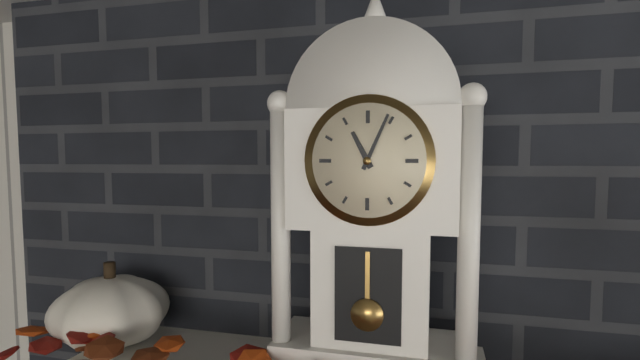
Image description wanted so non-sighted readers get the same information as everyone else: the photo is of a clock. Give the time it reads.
11:04
